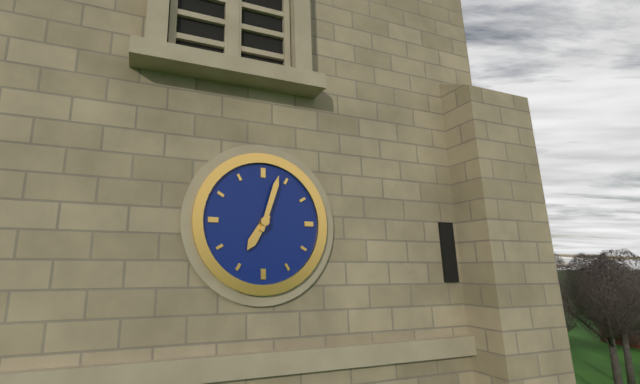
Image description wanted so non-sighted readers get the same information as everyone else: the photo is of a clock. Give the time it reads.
7:03
